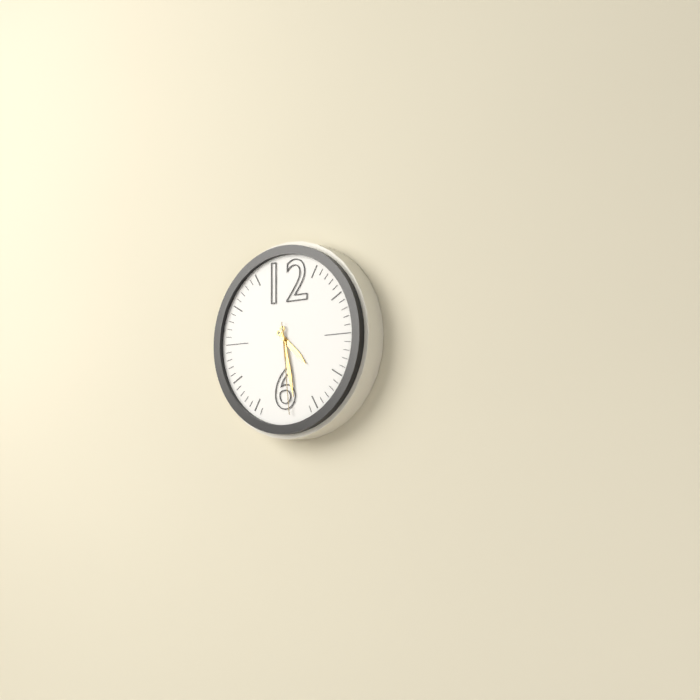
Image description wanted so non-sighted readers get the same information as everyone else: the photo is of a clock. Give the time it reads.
4:28:29
